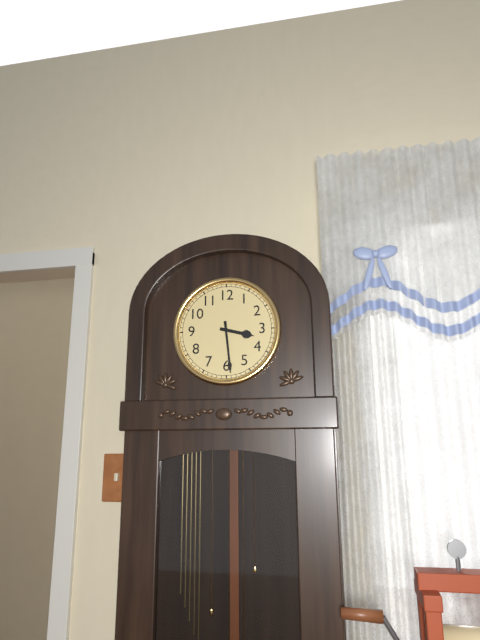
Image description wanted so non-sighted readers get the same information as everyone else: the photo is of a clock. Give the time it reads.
3:29
